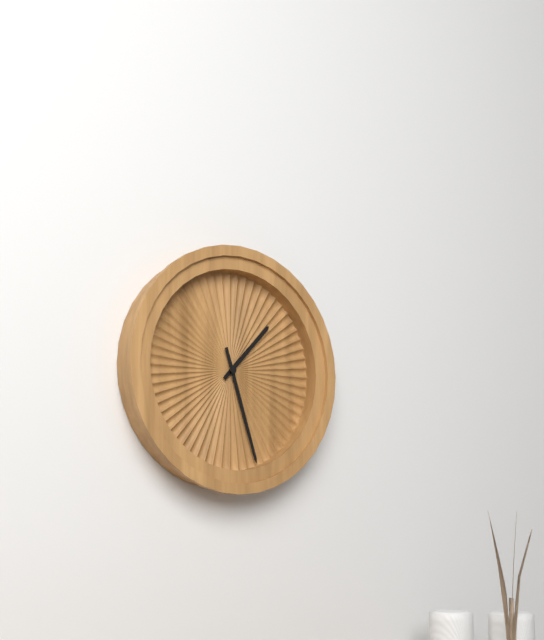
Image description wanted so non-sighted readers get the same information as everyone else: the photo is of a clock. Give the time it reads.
1:27
